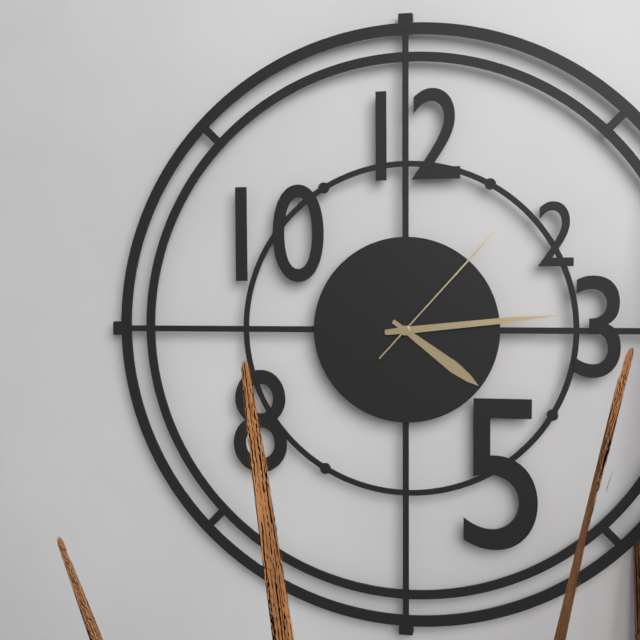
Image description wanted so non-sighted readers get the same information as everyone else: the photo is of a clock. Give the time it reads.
4:14:07
